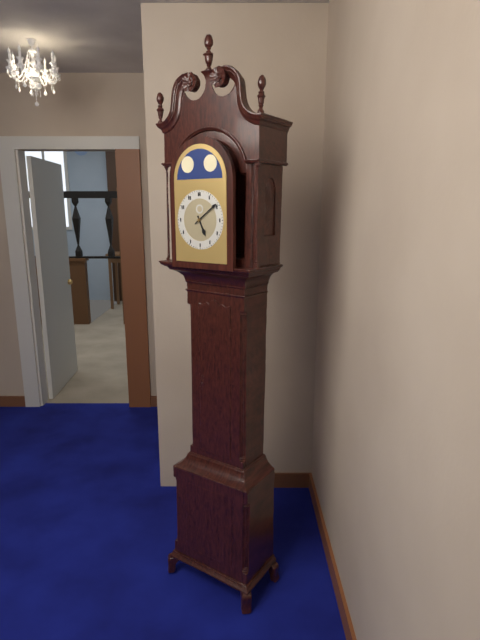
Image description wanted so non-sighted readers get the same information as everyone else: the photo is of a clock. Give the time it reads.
5:09
